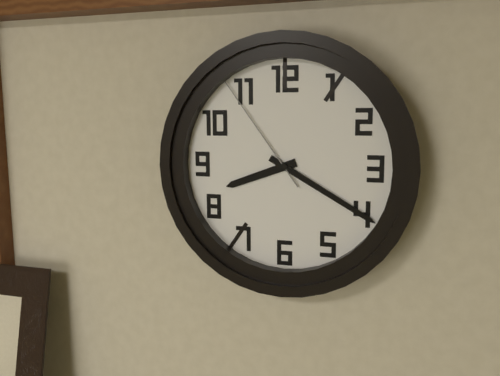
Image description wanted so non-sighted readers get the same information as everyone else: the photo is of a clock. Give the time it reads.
8:20:54
